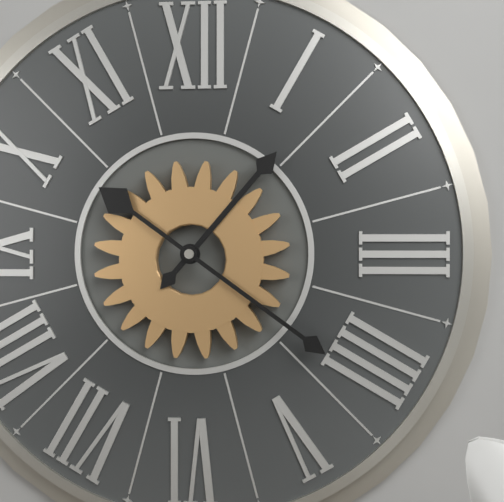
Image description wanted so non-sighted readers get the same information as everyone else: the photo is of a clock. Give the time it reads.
1:21
